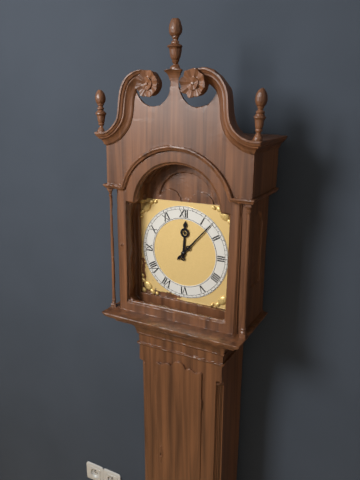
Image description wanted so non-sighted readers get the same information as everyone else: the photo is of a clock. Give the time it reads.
12:07
